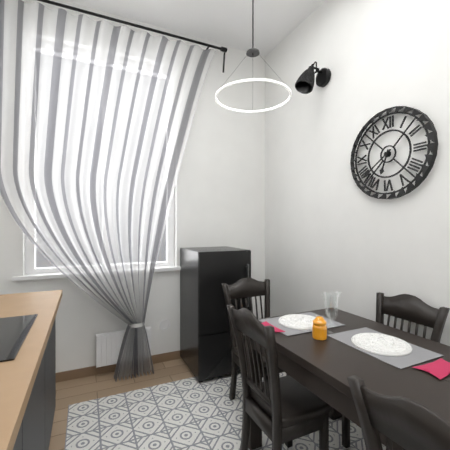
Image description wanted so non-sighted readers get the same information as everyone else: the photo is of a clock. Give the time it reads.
6:39
